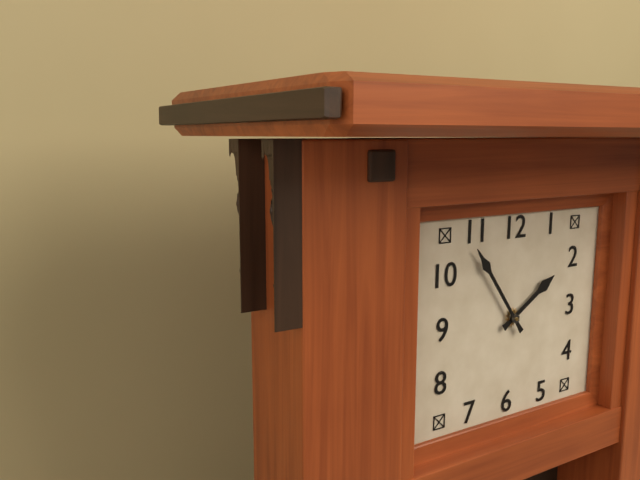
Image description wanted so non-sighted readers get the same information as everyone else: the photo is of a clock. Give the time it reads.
1:54
